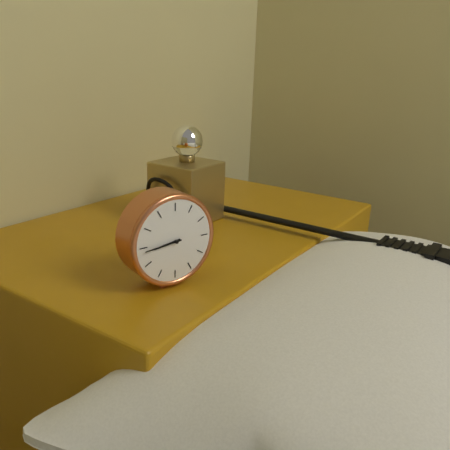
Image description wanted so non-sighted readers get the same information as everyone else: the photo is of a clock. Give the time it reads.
8:44
